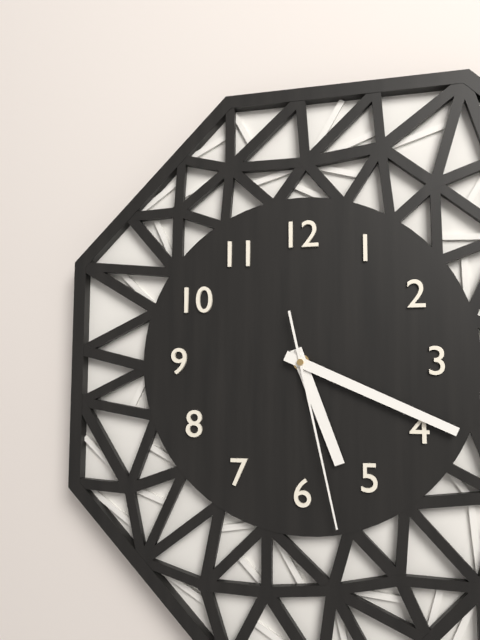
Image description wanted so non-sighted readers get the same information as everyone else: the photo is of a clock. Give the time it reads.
5:19:28
